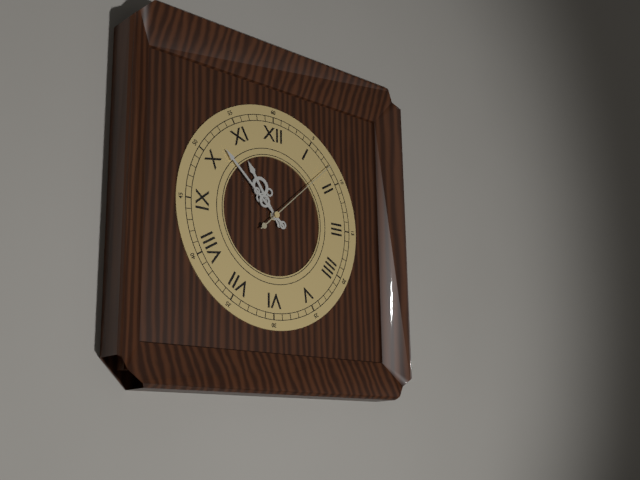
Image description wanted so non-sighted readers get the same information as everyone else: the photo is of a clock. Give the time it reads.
10:52:08
